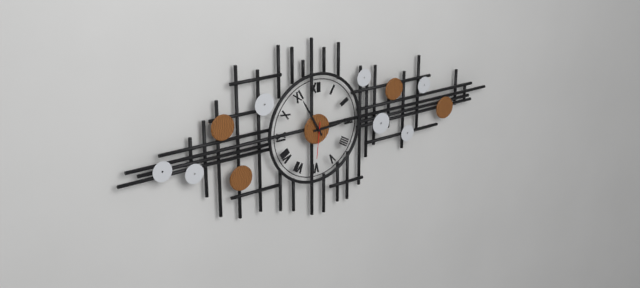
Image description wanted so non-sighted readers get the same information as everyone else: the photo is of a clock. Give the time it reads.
2:55
